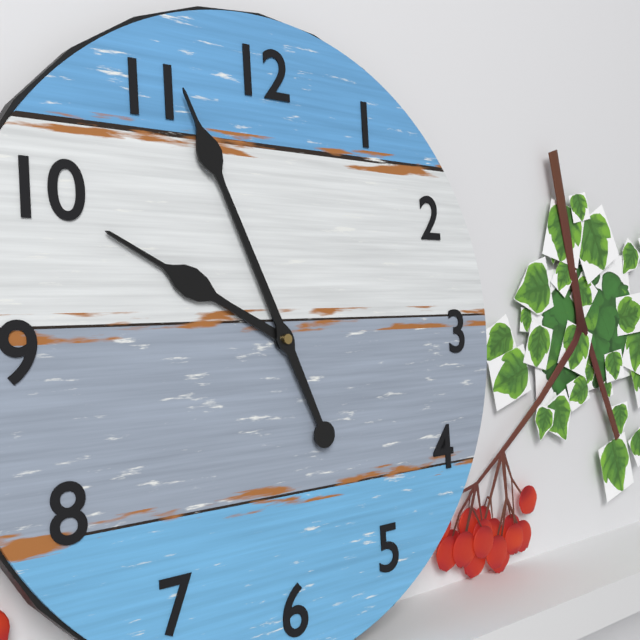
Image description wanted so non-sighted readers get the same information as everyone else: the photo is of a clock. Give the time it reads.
9:56
